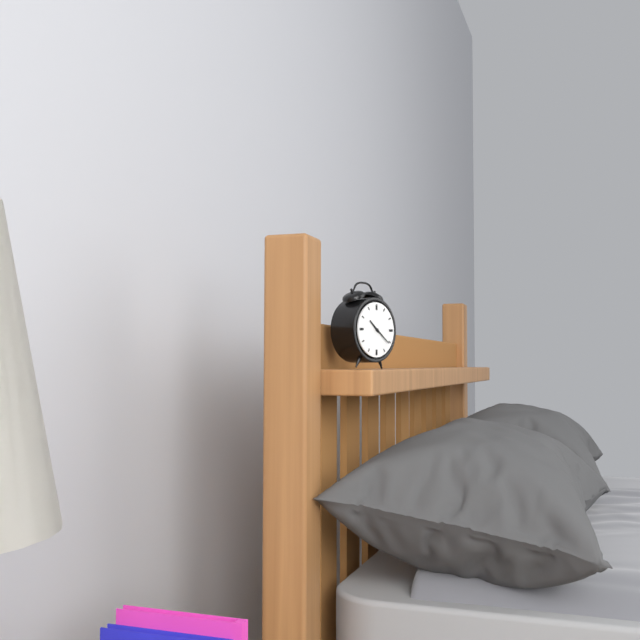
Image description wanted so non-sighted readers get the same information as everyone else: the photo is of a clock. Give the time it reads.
10:21
